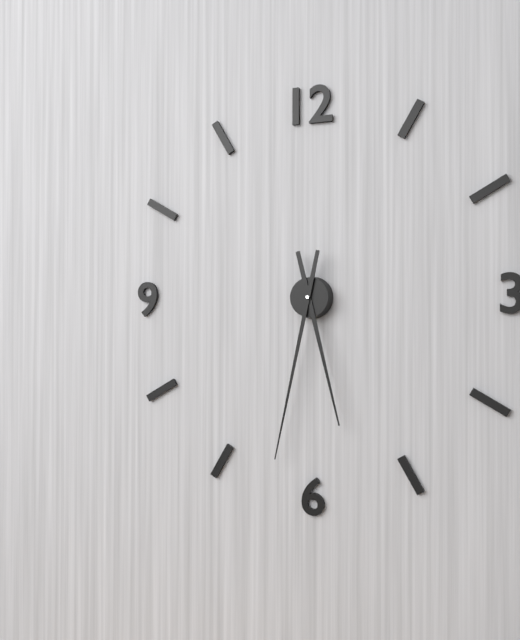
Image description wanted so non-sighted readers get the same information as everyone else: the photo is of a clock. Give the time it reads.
5:32
